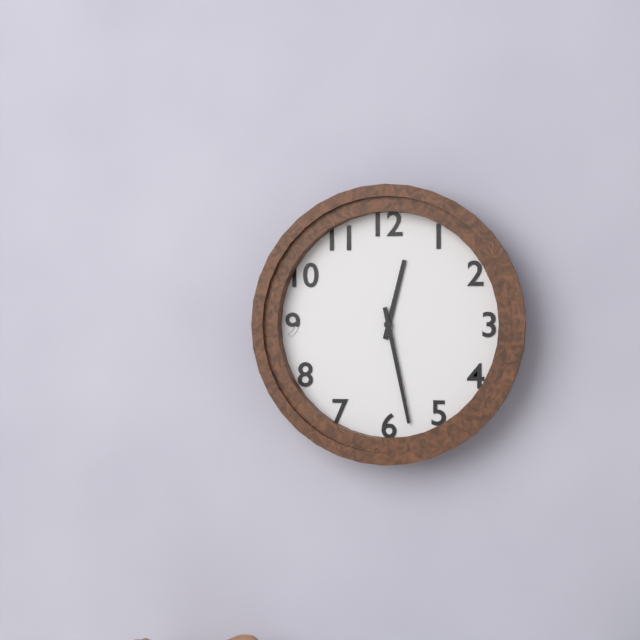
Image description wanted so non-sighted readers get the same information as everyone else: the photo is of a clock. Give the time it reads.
12:28
